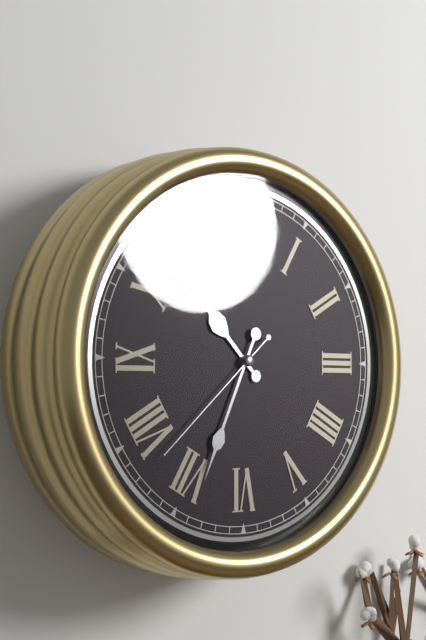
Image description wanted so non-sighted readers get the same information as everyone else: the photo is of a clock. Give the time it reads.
10:34:38
